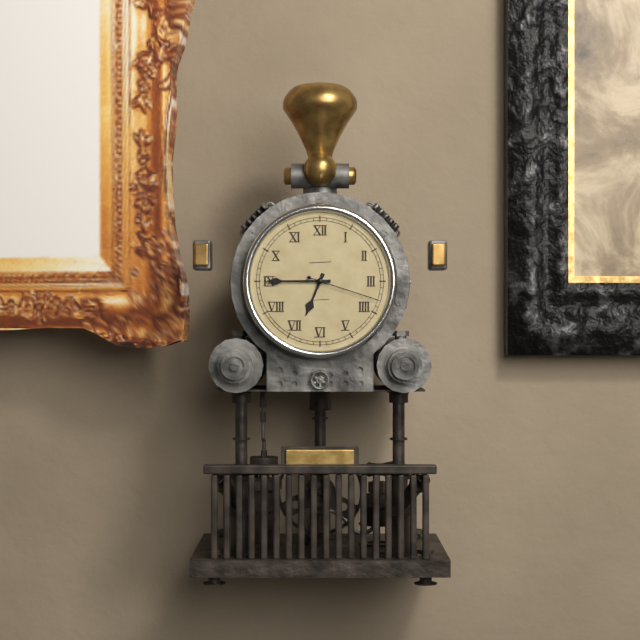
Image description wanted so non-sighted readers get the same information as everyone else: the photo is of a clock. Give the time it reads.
6:45:18
